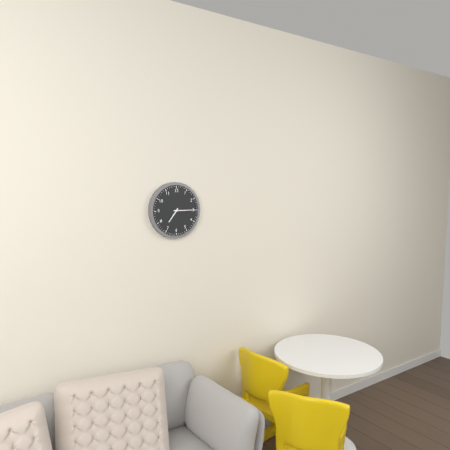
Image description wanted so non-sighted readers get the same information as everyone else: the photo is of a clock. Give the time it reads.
7:15
